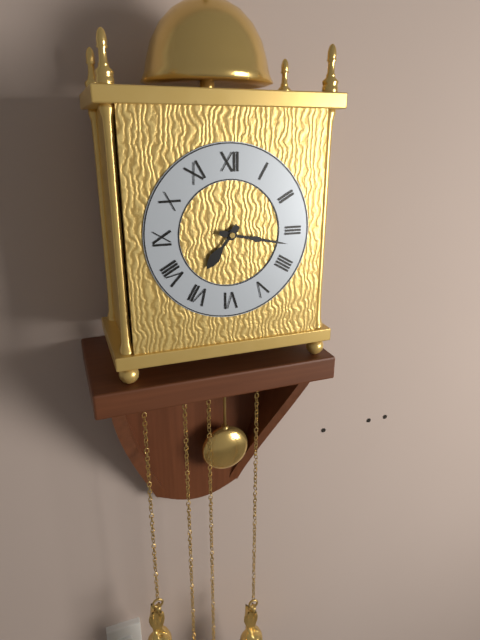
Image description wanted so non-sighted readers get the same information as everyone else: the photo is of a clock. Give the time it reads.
7:17
